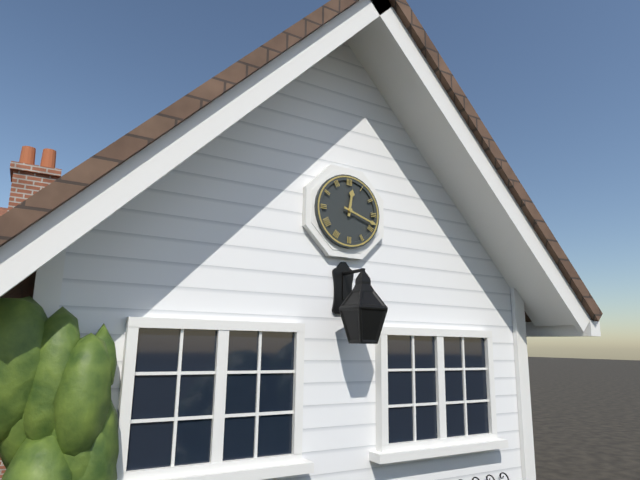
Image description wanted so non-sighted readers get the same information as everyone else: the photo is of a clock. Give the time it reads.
12:18
